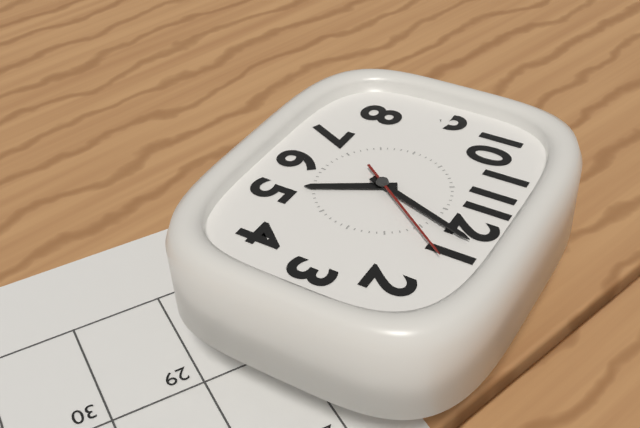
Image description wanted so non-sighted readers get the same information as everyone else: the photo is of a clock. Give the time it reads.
5:03:06
